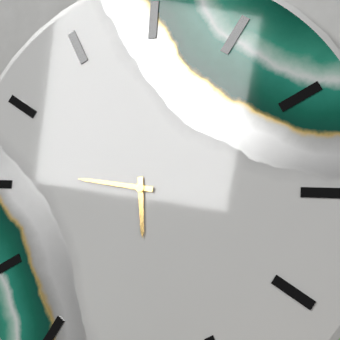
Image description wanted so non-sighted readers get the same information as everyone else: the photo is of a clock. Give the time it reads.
5:46
